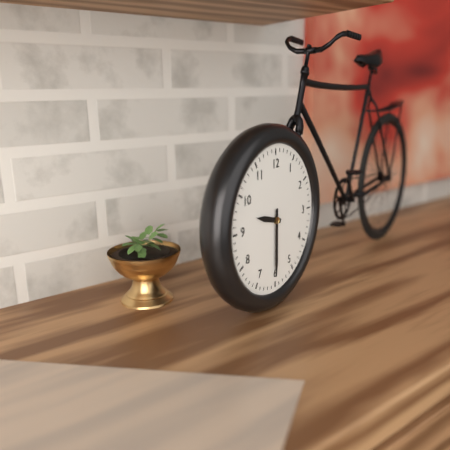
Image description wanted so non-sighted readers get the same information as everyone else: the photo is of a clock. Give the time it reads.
9:30
